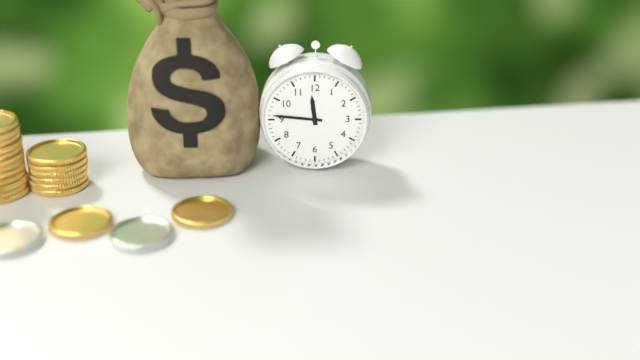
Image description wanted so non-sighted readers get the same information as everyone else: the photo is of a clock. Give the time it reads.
11:46
